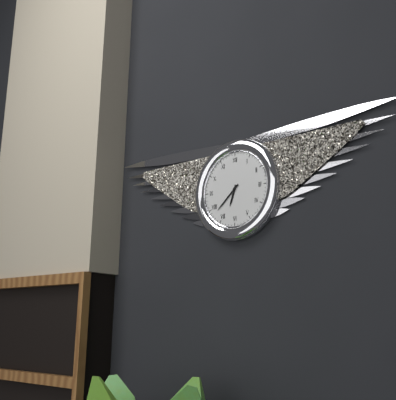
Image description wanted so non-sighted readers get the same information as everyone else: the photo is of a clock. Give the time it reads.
6:38
